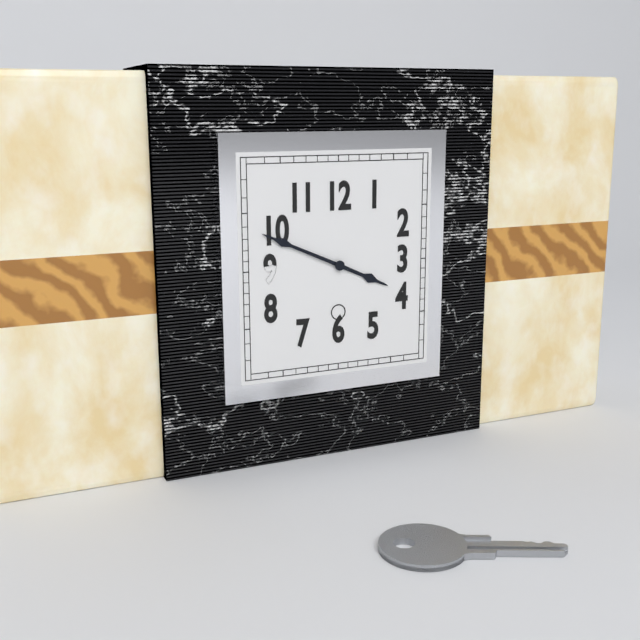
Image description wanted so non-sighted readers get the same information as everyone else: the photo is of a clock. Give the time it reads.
3:49
